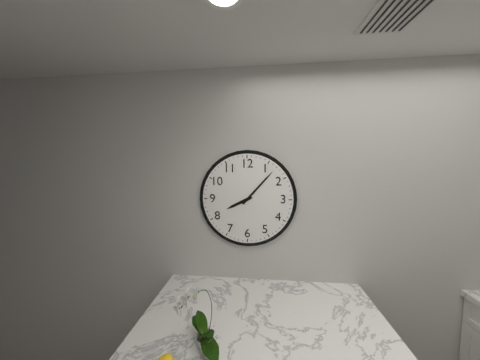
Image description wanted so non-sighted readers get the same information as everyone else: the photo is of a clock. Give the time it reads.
8:07
